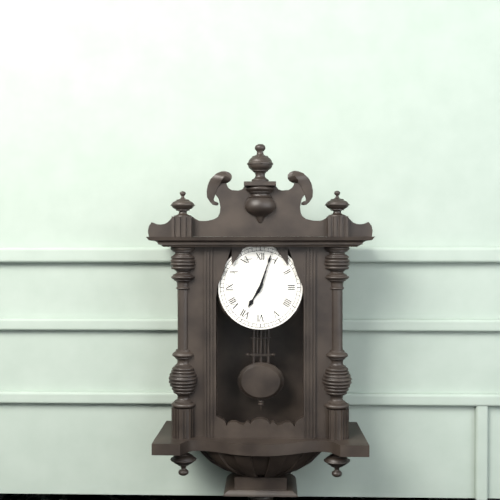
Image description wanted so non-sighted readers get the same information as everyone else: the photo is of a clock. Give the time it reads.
7:03
